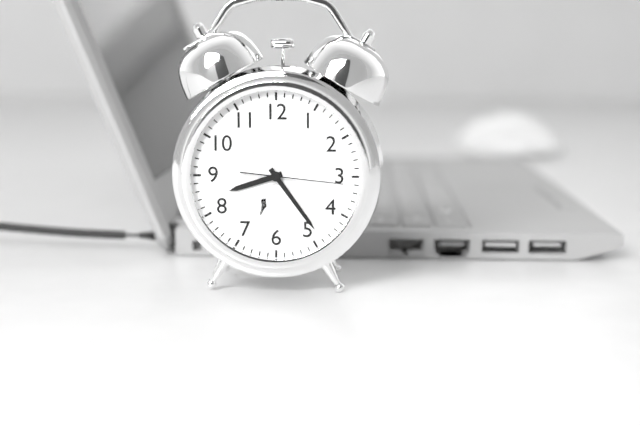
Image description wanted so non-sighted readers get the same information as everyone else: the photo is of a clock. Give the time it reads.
8:24:16
